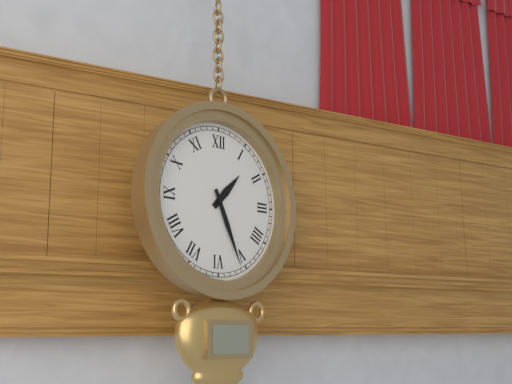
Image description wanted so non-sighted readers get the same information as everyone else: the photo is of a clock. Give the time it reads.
1:26
